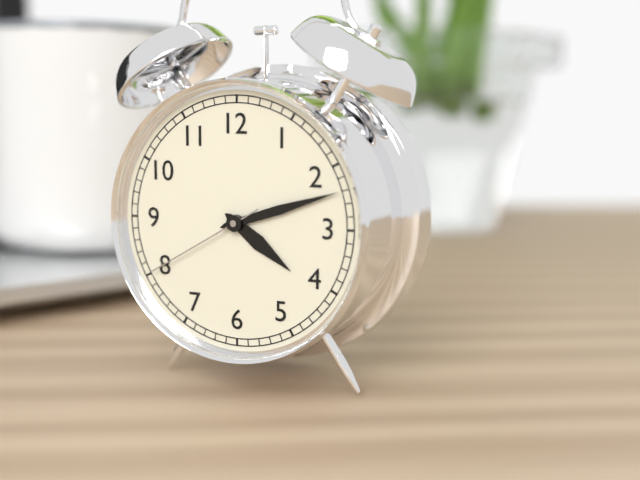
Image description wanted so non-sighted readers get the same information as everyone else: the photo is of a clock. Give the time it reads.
4:12:40
